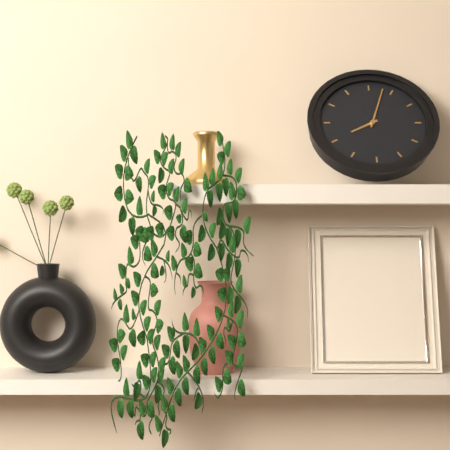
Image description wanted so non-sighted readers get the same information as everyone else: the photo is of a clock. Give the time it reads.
8:03
